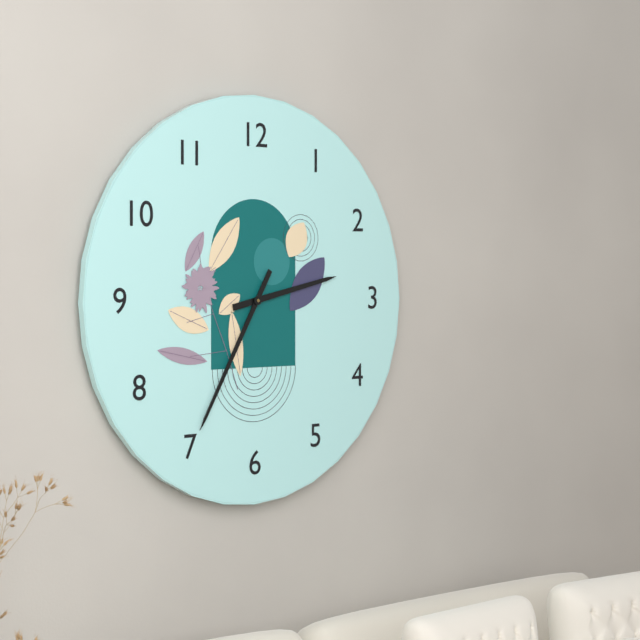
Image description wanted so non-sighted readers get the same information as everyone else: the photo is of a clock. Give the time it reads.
2:35
